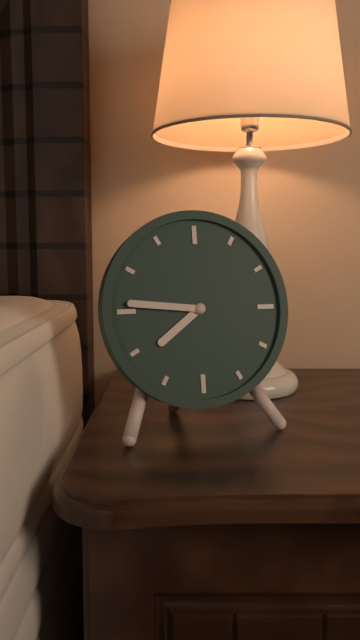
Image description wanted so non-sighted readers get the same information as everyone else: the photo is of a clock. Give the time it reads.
7:46
